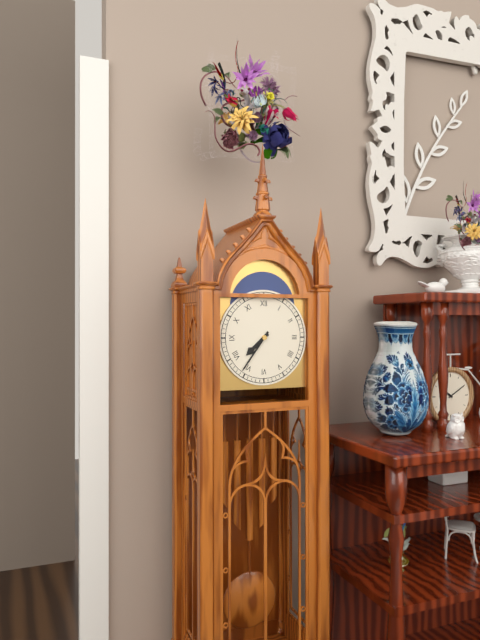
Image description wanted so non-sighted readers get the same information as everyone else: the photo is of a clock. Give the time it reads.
7:36
